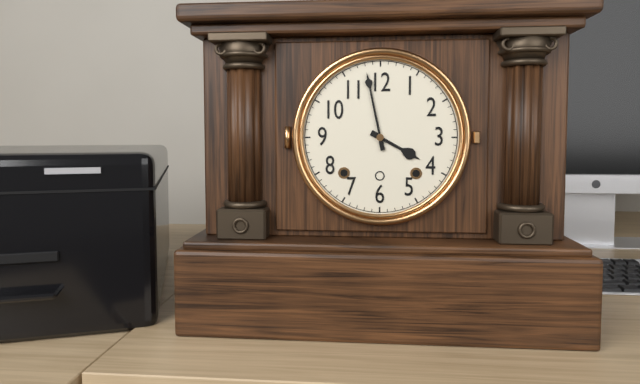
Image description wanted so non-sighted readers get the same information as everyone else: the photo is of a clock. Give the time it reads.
3:58
